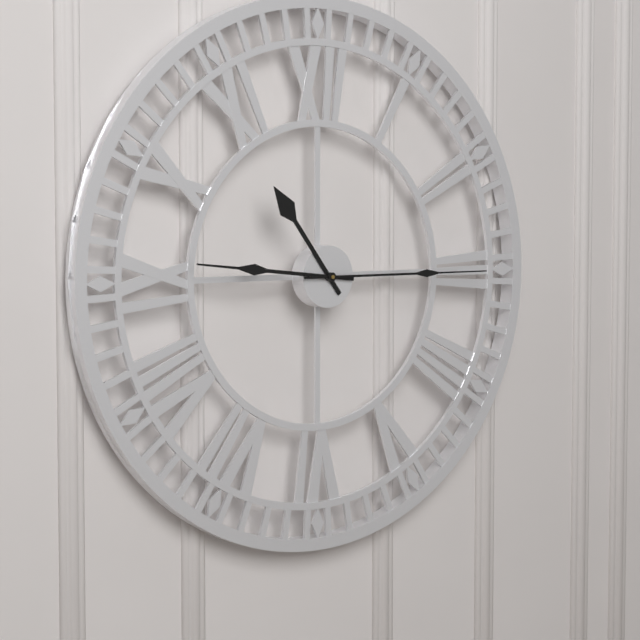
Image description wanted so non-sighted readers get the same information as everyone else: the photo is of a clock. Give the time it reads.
10:46:15
